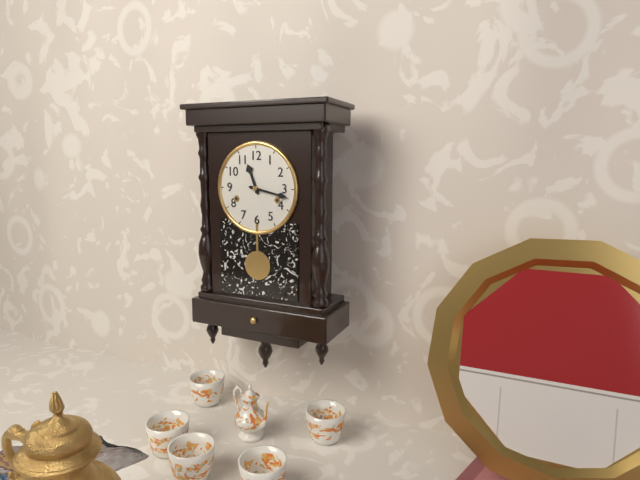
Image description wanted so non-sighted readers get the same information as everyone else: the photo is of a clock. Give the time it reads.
11:17
